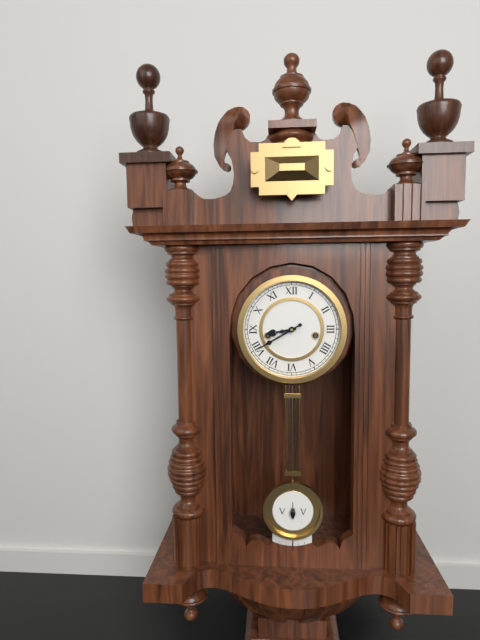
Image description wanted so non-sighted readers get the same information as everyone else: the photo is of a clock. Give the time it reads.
8:40
